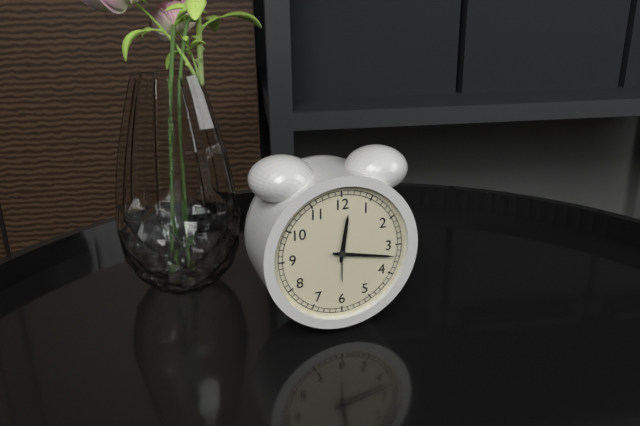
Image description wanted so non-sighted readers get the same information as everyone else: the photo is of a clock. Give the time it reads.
12:17
